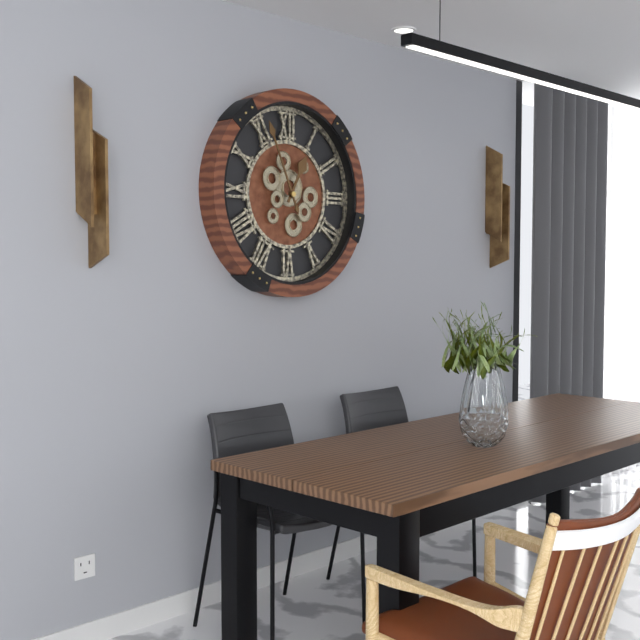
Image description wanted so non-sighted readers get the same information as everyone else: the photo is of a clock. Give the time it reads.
12:56
